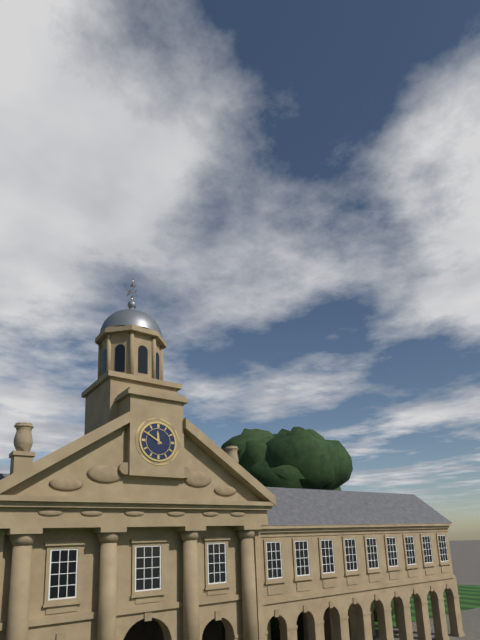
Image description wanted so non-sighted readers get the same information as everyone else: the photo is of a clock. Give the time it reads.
11:50
